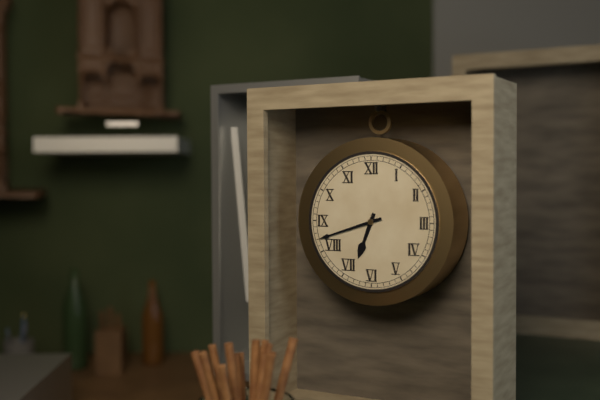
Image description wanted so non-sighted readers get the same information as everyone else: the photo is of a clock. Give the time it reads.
6:42
